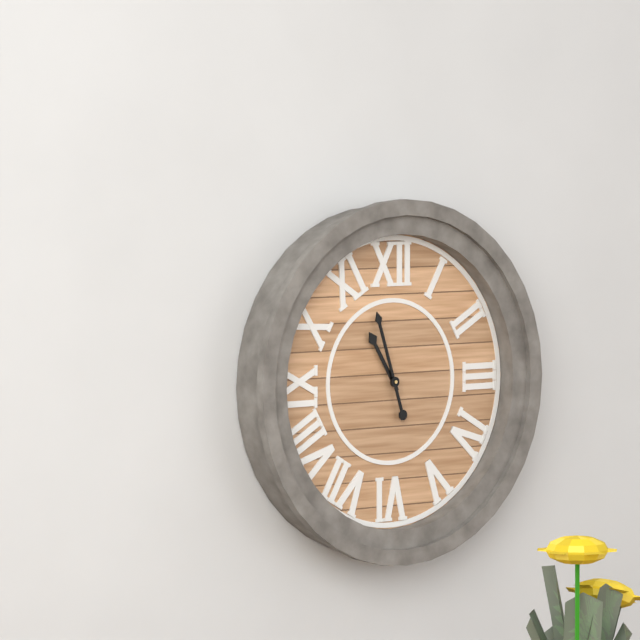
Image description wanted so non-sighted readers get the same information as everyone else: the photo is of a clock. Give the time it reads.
10:57
